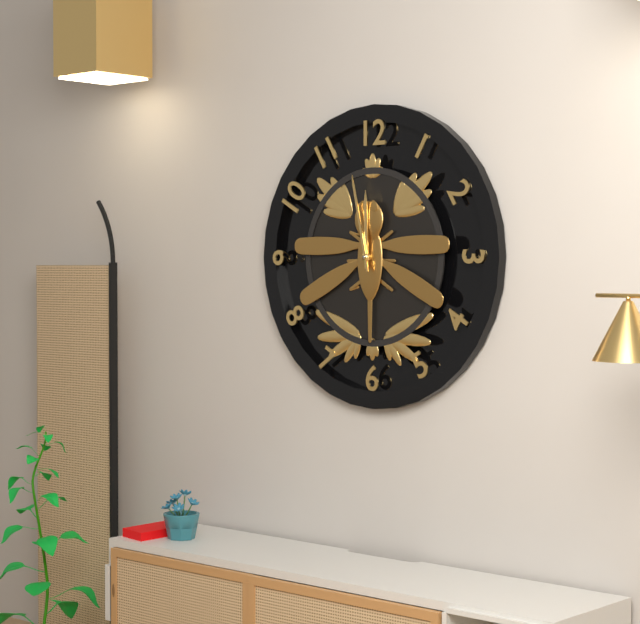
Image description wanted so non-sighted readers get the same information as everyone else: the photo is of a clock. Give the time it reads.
11:58
